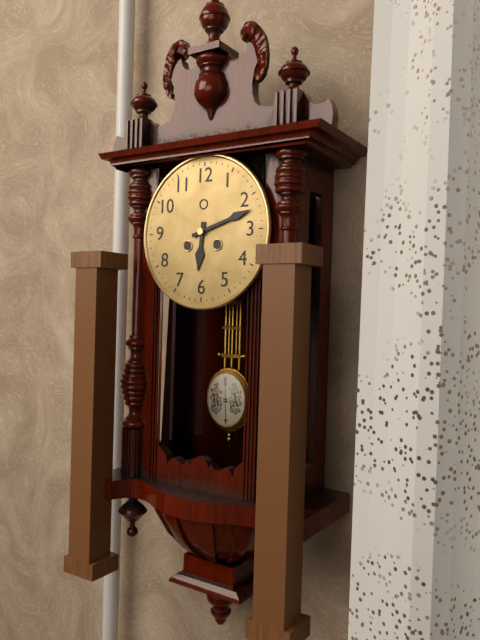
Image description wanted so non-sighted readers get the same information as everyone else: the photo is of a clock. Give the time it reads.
6:12
